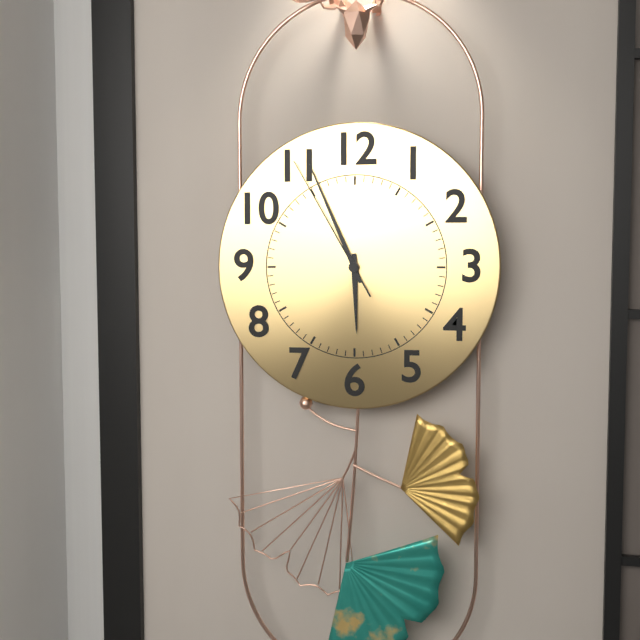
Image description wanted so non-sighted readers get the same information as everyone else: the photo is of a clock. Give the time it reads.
5:56:55
